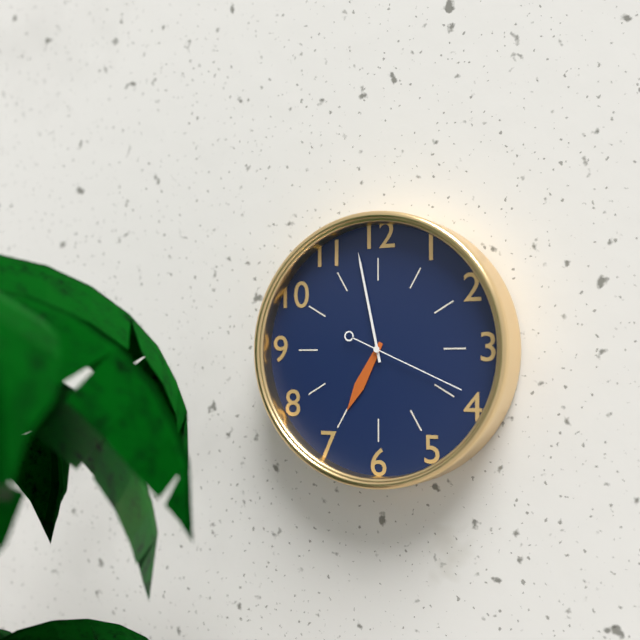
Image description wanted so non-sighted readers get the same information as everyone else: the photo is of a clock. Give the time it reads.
6:58:19
